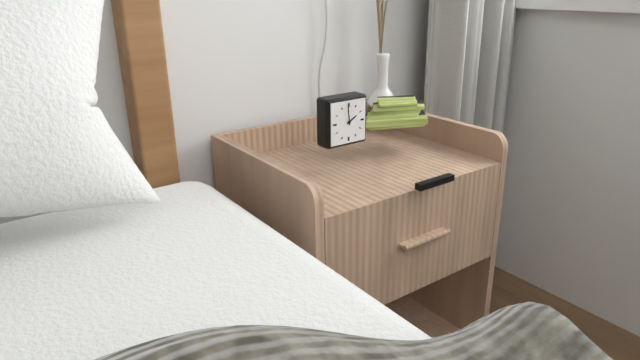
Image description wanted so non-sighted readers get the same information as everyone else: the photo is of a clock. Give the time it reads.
1:59
